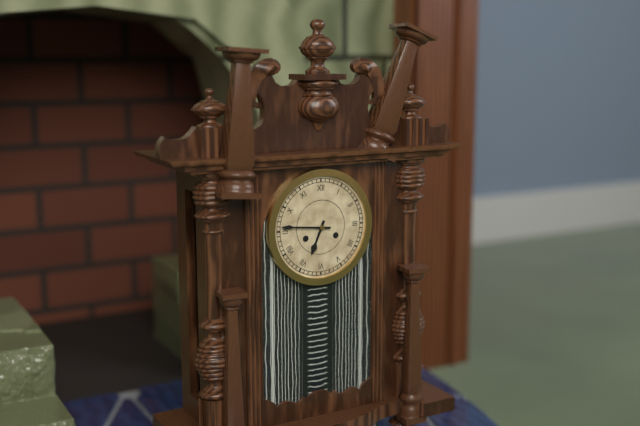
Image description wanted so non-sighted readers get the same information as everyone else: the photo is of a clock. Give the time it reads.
6:46
